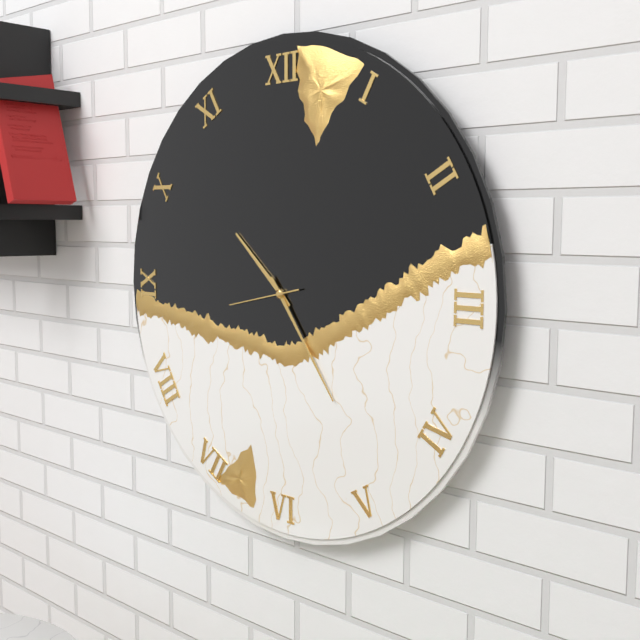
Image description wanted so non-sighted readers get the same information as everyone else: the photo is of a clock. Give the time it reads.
10:24:43
